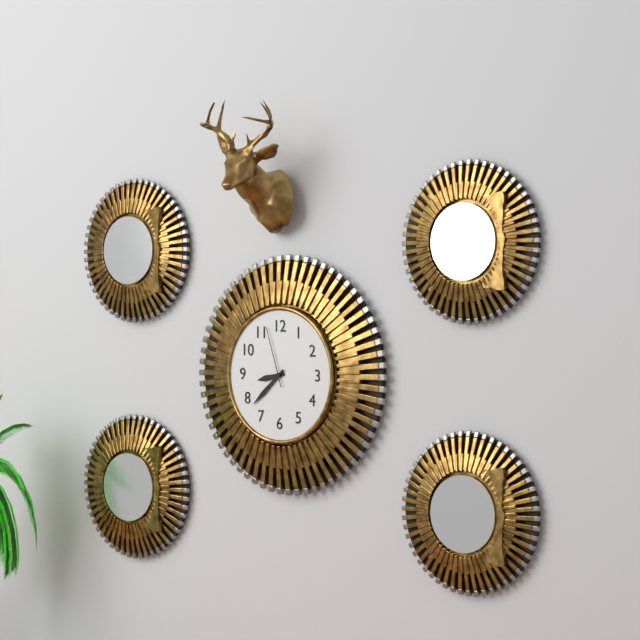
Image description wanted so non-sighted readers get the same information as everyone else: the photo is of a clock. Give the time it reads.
8:38:57
